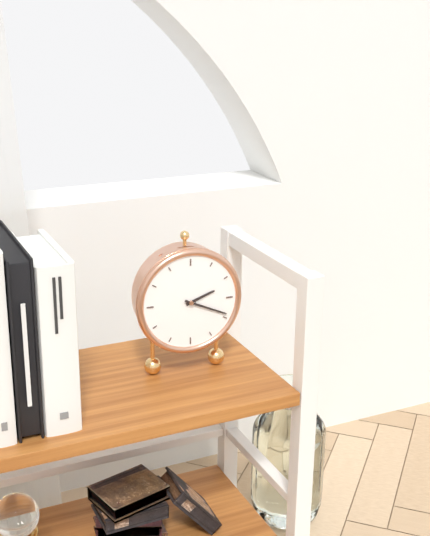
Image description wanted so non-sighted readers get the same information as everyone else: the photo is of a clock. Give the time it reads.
2:19
